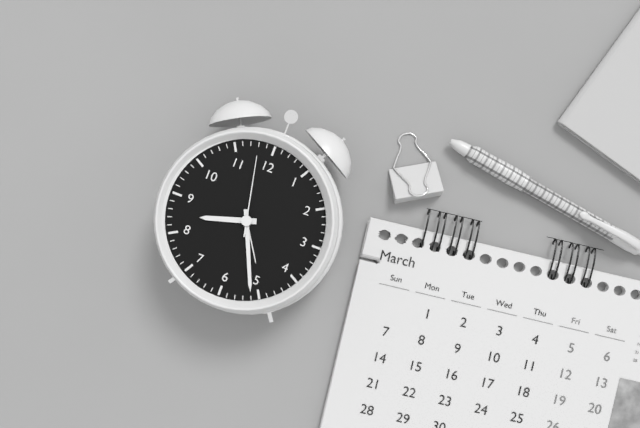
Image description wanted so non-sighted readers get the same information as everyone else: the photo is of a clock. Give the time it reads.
8:26:58
